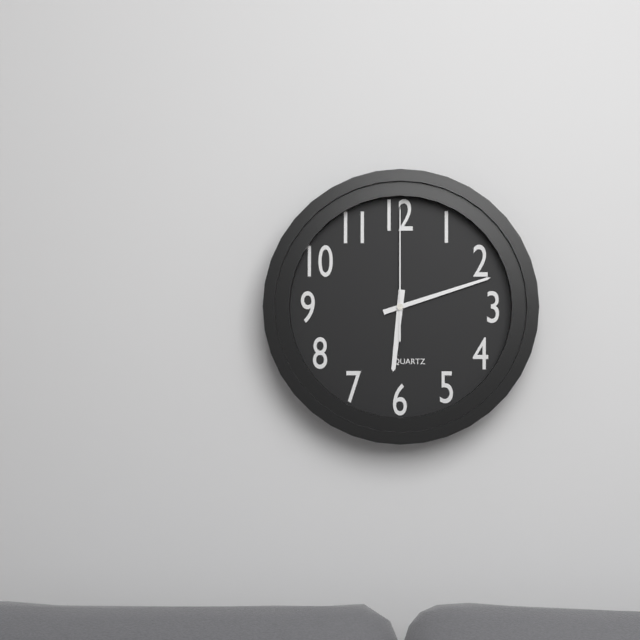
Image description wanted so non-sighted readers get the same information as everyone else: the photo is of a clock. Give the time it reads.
6:12:00
